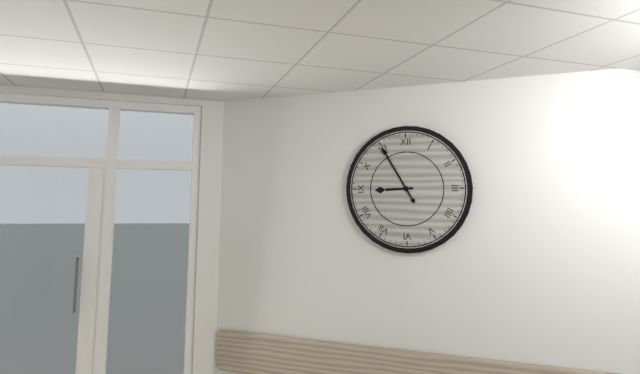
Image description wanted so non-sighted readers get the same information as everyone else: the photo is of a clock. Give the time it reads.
8:55
